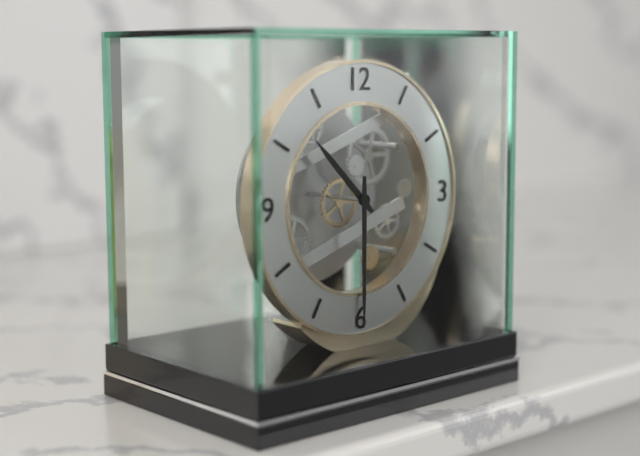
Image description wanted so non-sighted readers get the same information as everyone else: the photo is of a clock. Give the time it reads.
10:30
